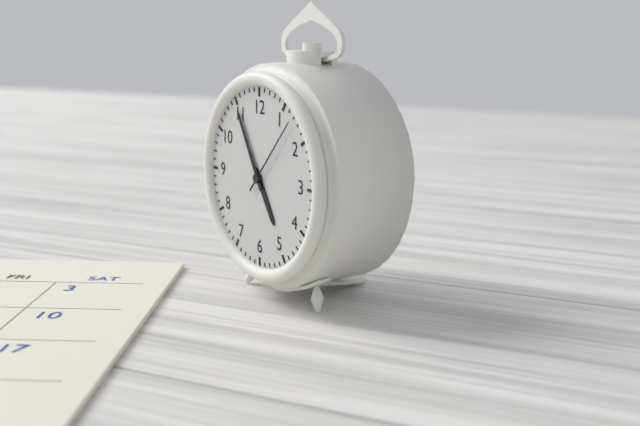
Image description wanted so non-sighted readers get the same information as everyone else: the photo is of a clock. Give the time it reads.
4:55:07
